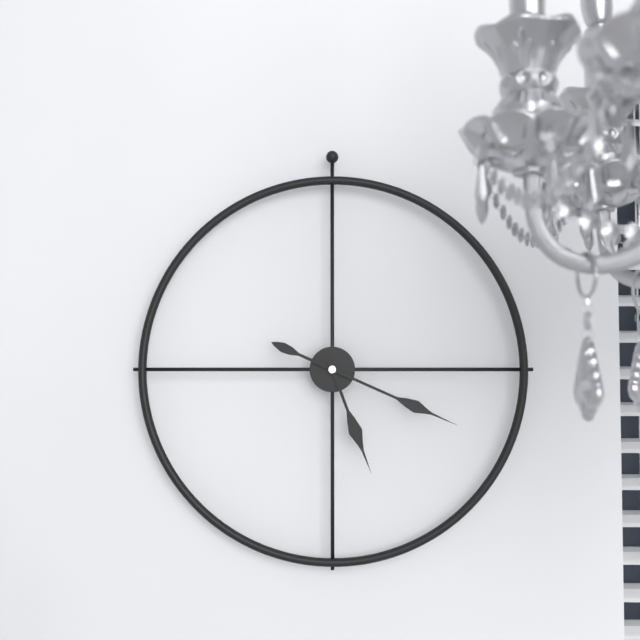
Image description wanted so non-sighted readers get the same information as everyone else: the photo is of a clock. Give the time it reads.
5:19
